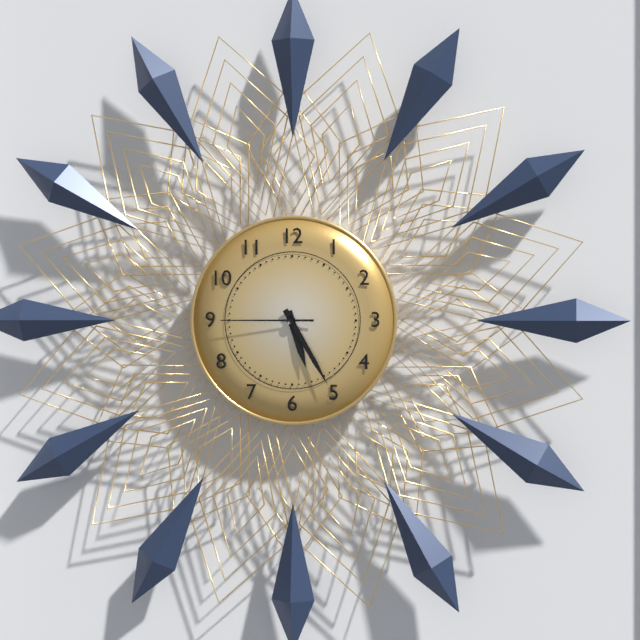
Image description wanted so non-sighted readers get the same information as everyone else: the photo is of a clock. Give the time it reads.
5:25:45
